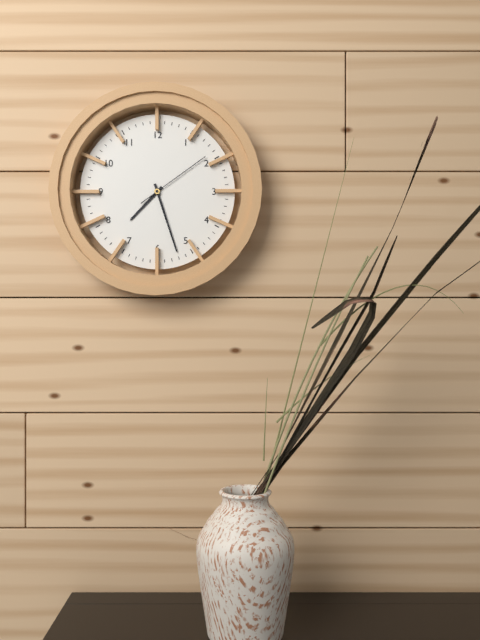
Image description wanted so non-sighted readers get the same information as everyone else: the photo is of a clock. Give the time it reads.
7:27:09
